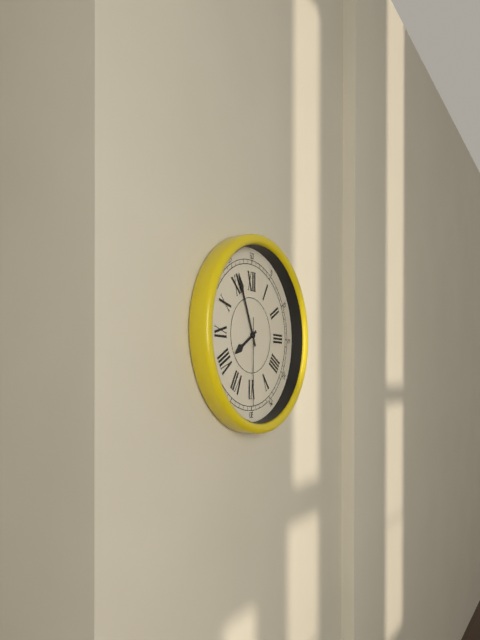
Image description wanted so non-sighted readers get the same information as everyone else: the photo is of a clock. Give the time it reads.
7:56:30
